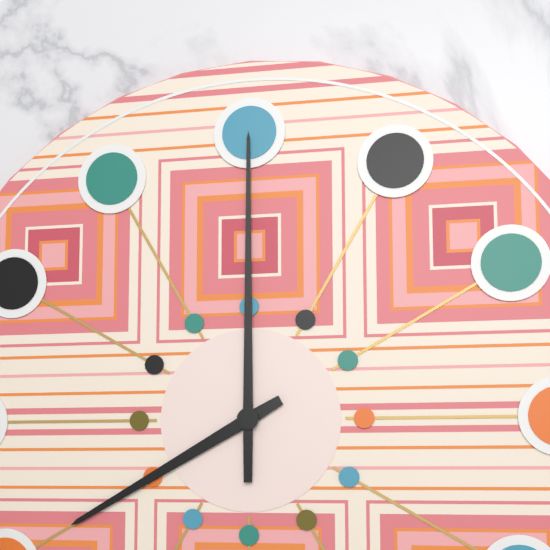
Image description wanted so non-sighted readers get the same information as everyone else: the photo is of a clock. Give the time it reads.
8:00
